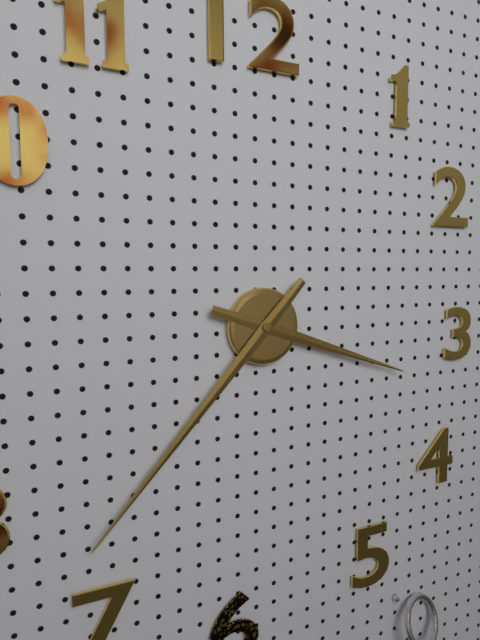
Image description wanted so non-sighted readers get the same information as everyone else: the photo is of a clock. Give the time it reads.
3:37
